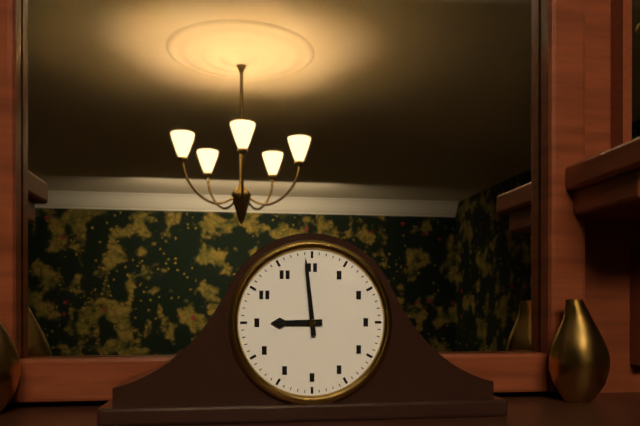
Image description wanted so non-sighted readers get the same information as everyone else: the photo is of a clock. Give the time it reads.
8:59
